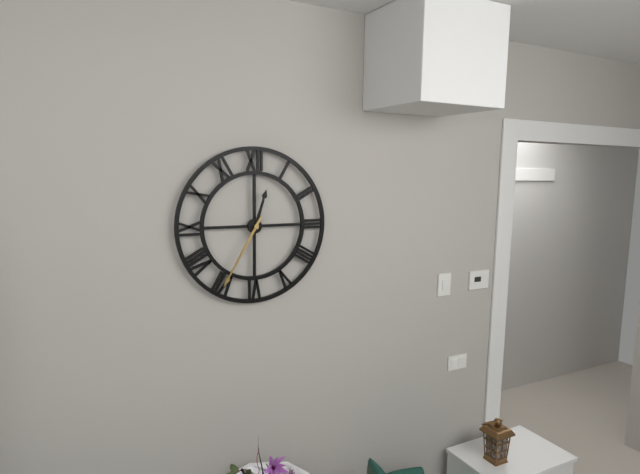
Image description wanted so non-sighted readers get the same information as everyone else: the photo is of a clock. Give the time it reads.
12:35
